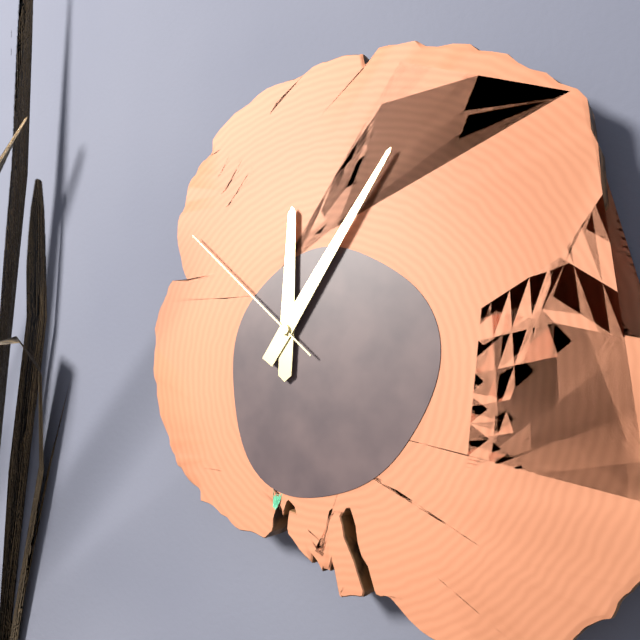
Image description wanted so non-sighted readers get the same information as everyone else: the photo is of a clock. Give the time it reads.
12:06:52
